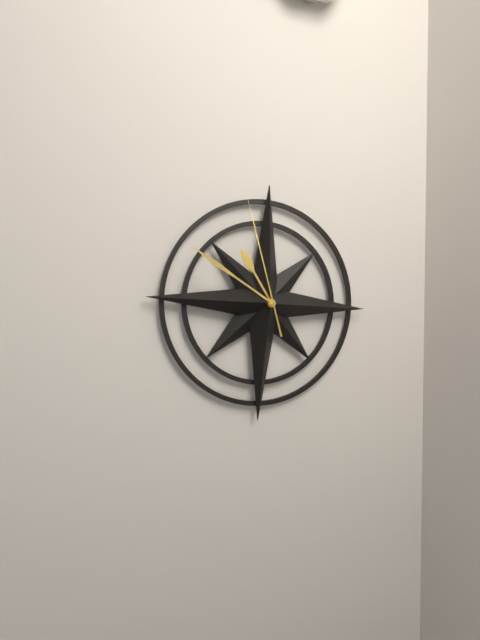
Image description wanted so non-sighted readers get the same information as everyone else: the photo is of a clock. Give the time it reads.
10:50:57
